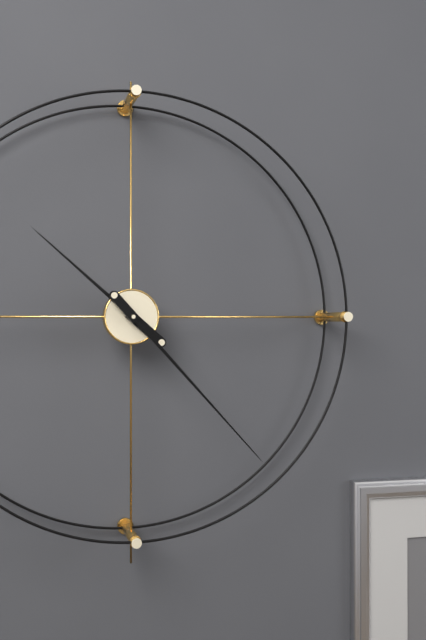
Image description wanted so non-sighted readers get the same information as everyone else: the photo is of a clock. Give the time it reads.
10:23
